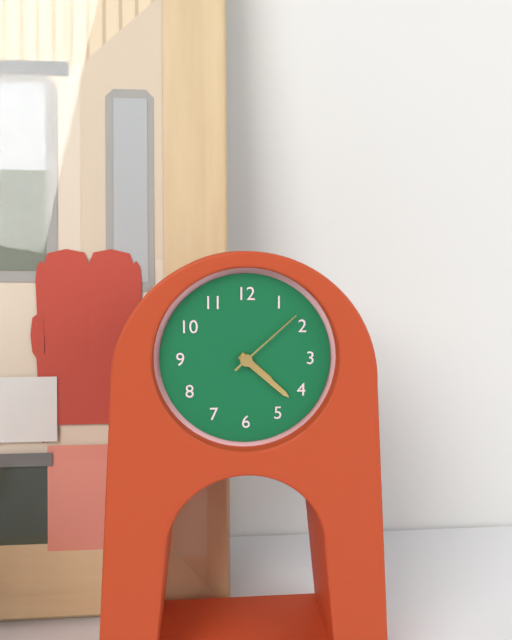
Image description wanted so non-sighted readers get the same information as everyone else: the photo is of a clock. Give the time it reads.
4:22:08
